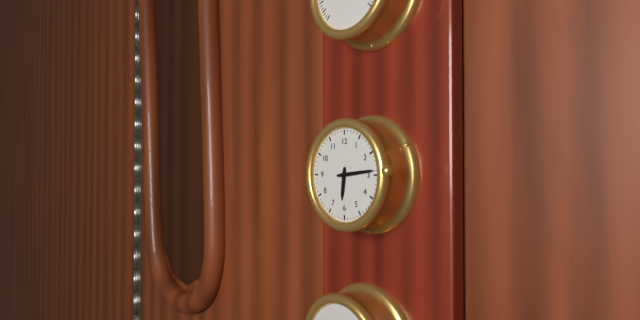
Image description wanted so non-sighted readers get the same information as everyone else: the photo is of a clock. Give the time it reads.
6:14
